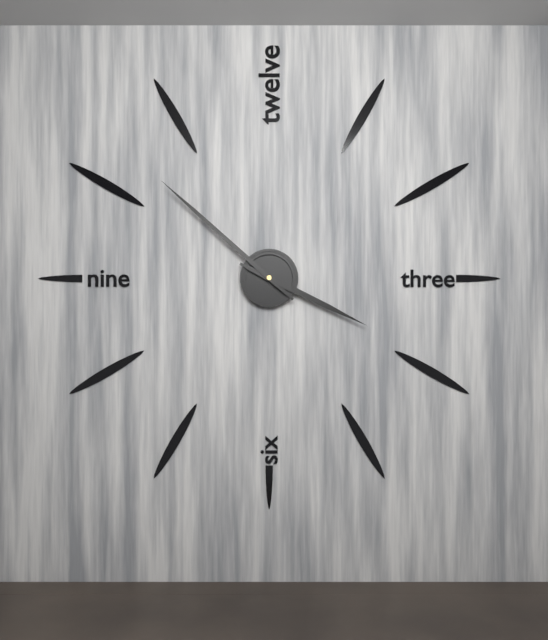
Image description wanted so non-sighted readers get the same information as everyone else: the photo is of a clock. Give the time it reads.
3:52
